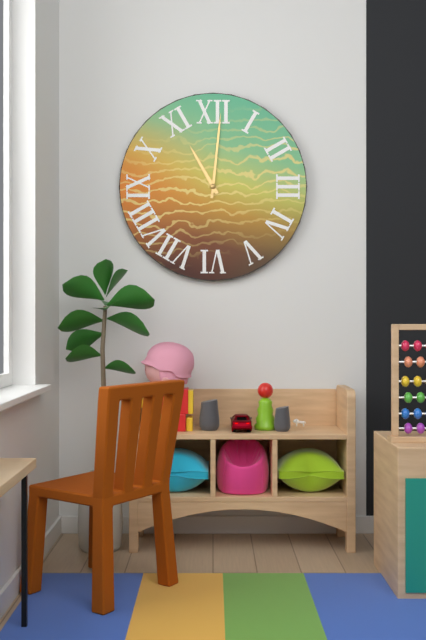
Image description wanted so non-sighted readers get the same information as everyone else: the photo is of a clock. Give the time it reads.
11:01
